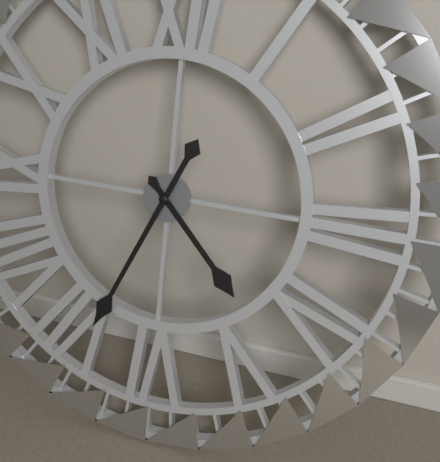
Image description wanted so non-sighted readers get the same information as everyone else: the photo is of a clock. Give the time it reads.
4:34
